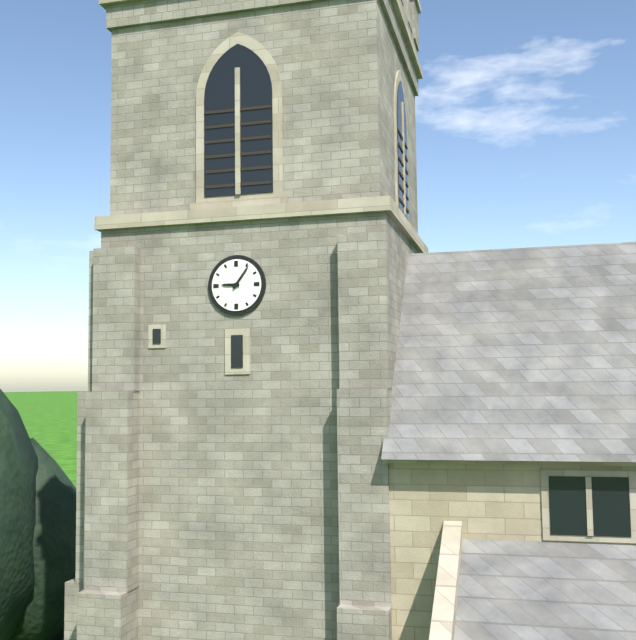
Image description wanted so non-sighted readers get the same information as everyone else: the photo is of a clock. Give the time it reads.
9:06
